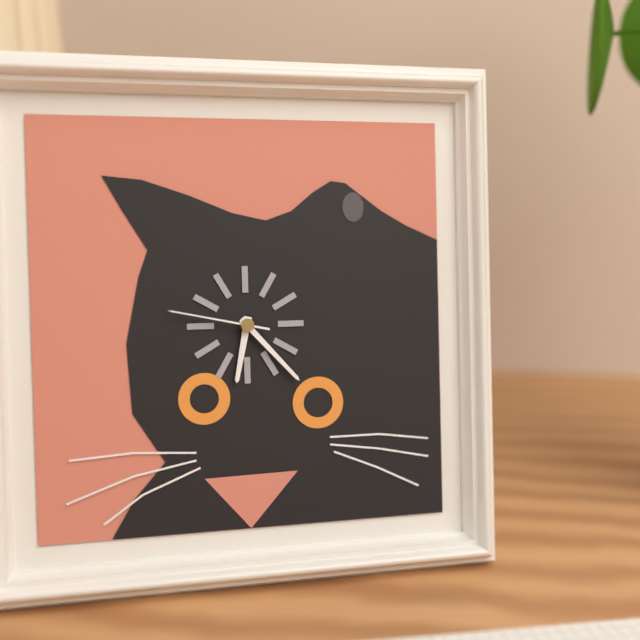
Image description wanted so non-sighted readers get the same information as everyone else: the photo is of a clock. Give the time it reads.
6:23:47
